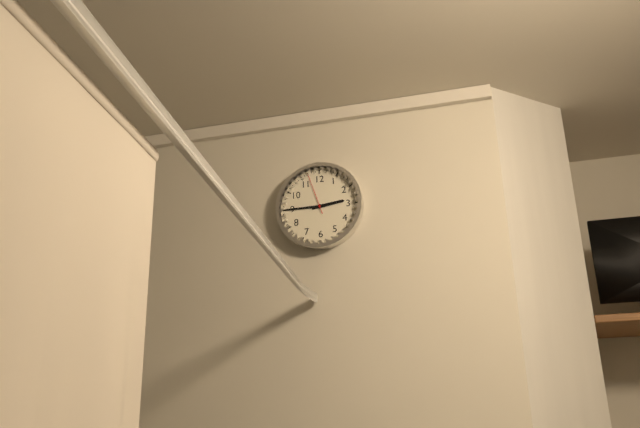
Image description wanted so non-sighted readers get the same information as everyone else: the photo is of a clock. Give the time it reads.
2:45
